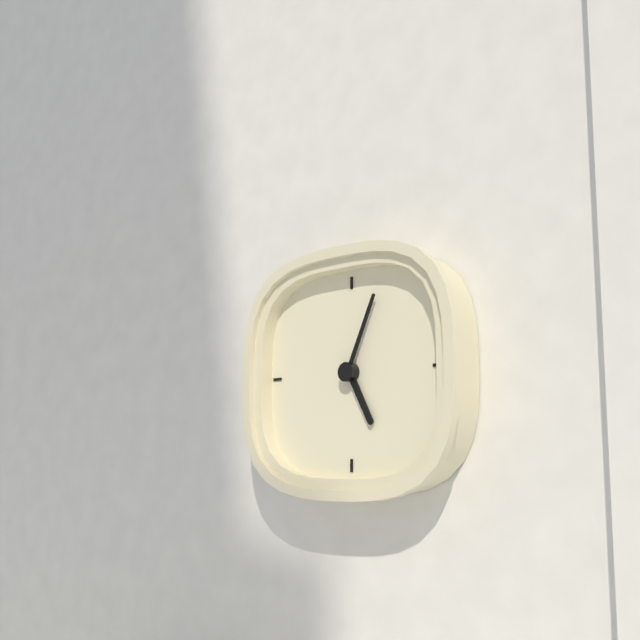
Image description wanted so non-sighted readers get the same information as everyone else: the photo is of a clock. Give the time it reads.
5:04
